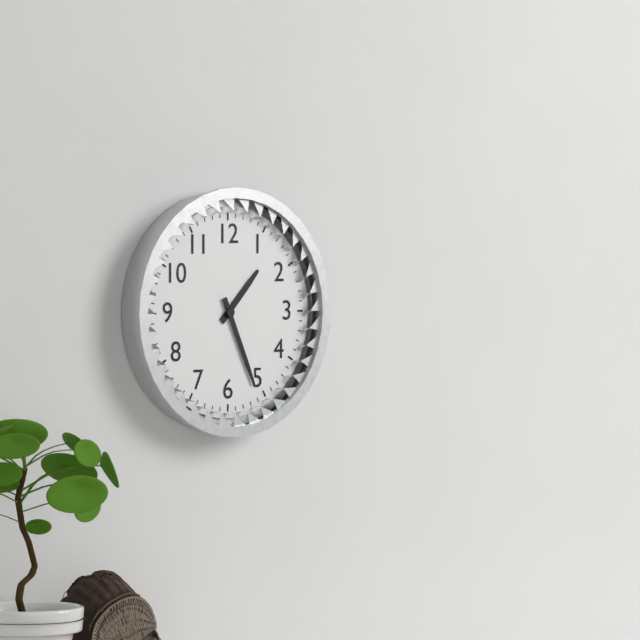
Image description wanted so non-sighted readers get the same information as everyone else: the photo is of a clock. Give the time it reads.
1:26
